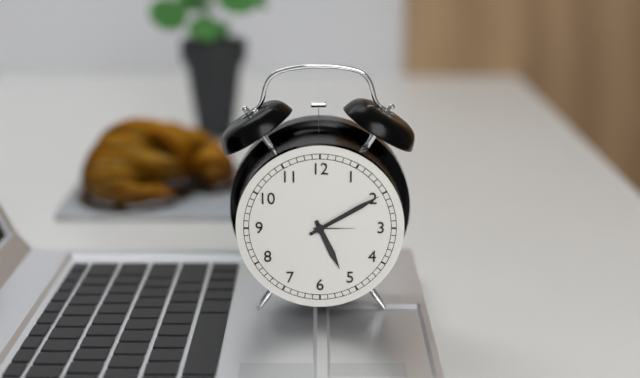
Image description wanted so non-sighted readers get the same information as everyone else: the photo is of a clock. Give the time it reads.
5:10
